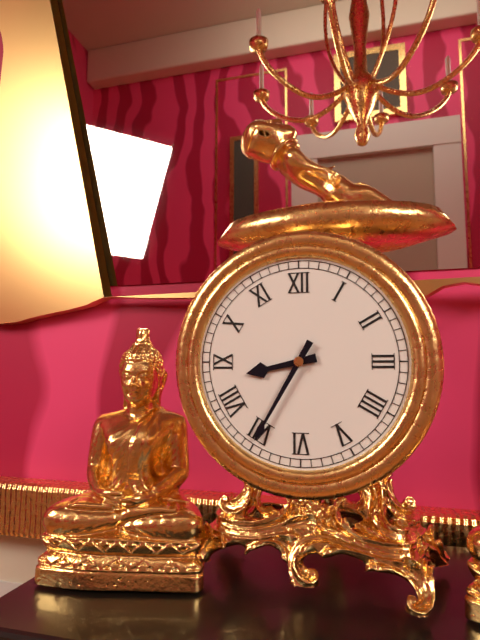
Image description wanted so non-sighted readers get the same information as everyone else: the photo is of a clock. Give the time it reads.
8:35
